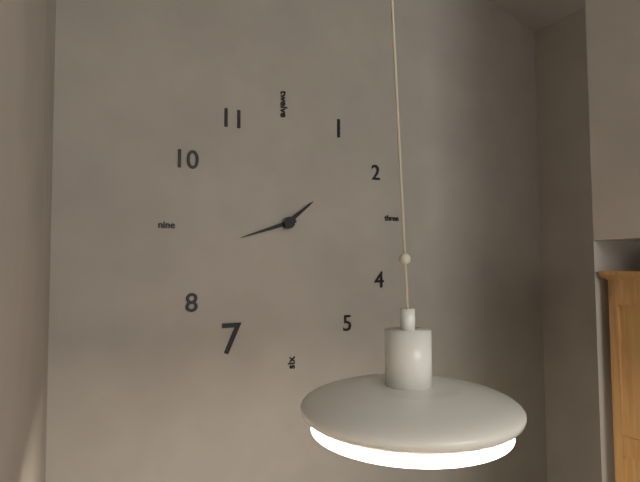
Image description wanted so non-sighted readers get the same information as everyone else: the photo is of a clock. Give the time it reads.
1:42
